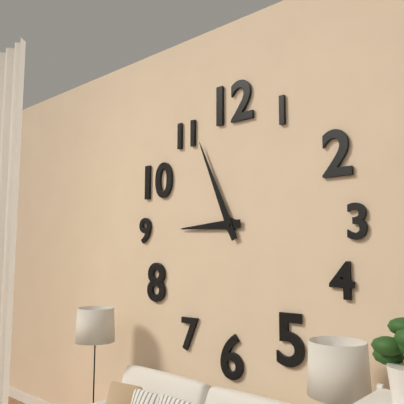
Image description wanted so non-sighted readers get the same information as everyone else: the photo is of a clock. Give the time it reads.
8:56
